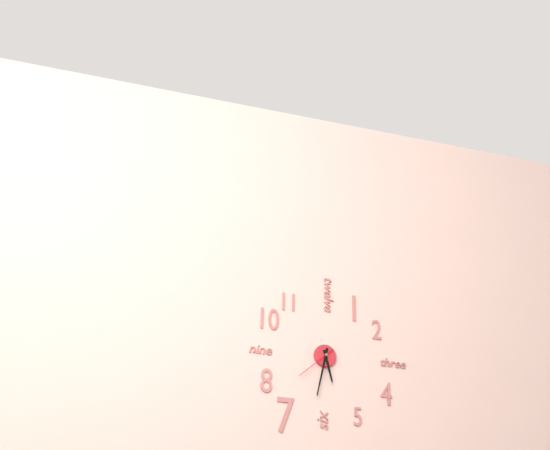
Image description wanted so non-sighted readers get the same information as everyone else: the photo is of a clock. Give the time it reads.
5:32
